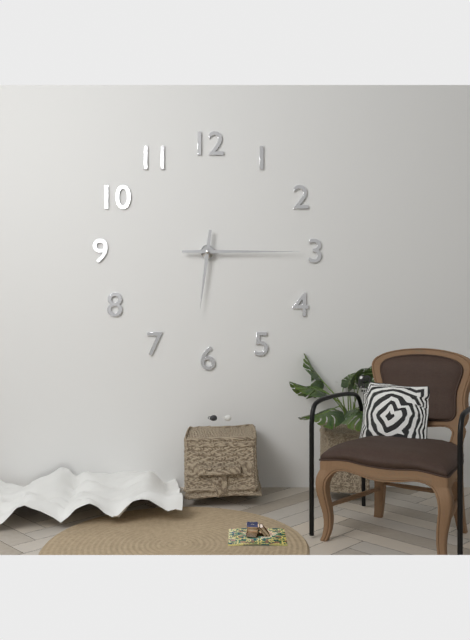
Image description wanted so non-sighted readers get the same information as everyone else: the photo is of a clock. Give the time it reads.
6:15
